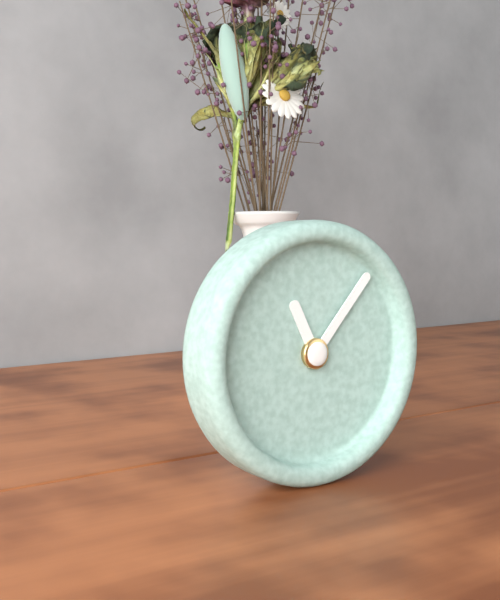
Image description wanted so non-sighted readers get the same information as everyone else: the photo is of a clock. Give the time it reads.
11:07
